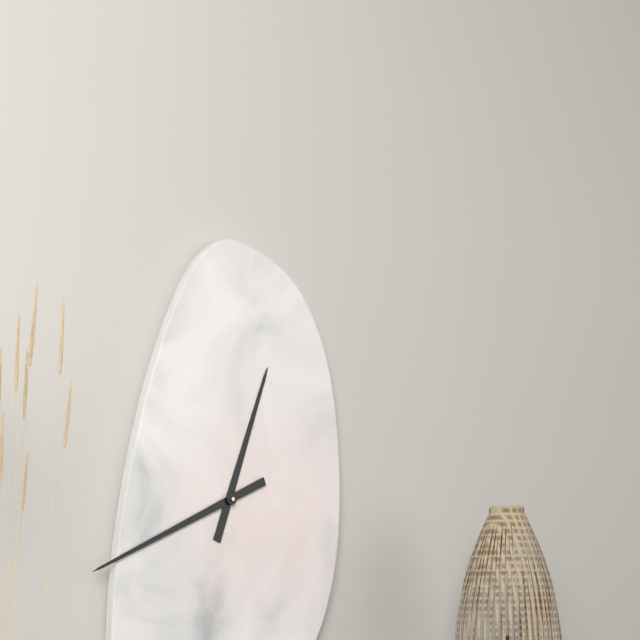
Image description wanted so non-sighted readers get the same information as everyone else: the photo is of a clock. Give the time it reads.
12:41
